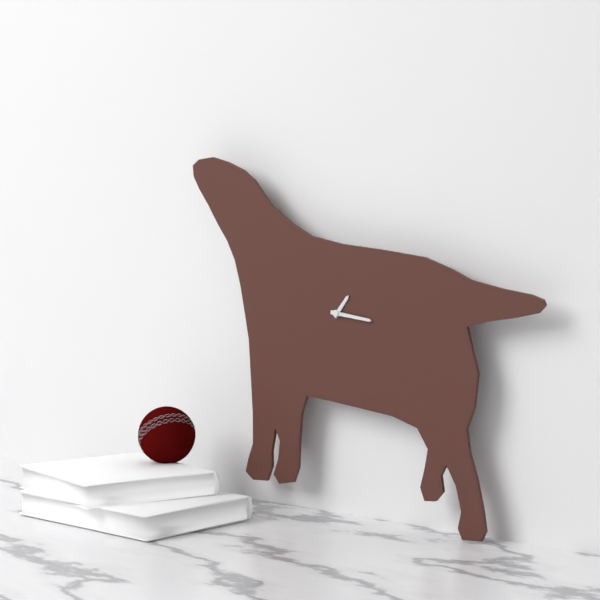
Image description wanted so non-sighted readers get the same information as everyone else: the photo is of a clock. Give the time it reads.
1:16
